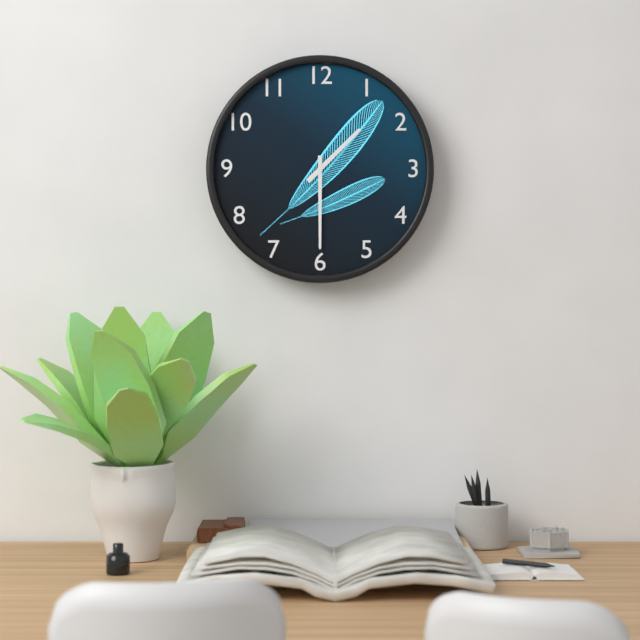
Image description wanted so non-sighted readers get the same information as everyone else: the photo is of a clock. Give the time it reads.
1:30
